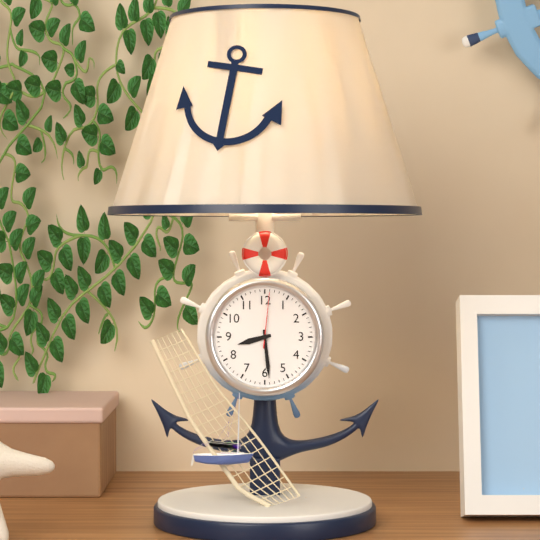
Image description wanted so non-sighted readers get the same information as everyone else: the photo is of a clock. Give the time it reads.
8:29:01
